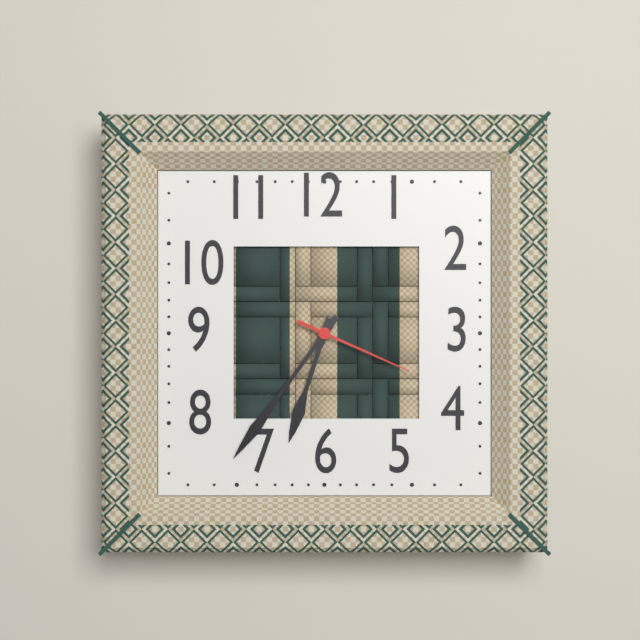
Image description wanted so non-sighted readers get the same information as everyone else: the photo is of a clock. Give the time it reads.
6:36:19
